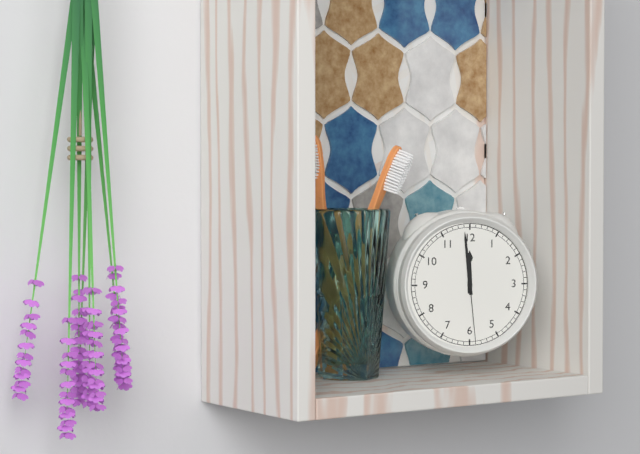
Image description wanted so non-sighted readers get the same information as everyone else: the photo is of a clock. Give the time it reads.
11:59:29
